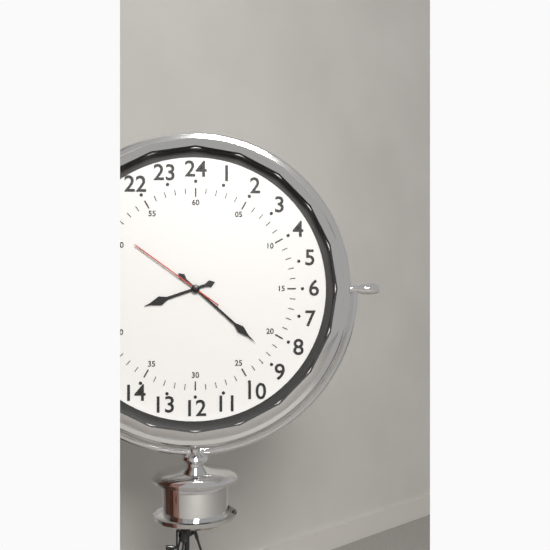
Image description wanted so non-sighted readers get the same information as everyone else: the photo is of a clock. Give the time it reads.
8:22:51
